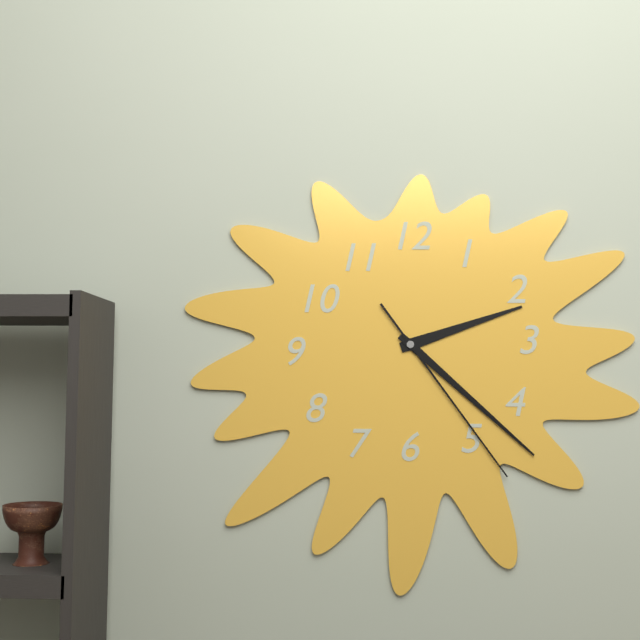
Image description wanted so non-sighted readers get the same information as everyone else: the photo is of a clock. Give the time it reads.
2:22:24
